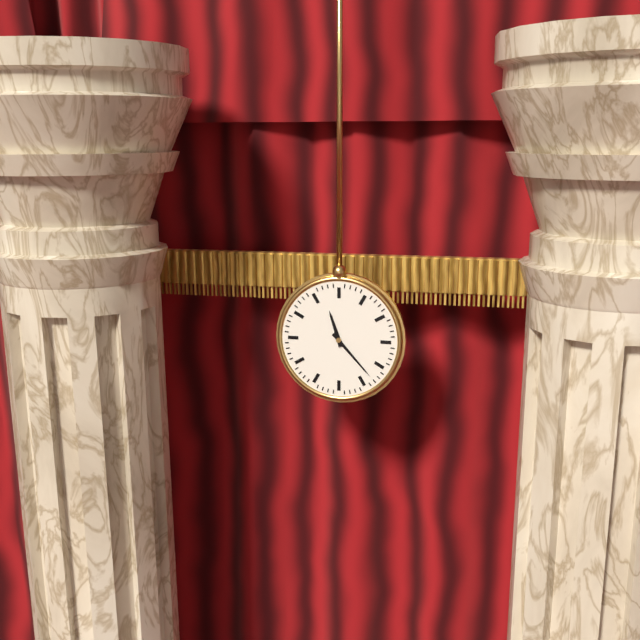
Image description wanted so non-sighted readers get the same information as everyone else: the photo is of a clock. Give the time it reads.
11:23
